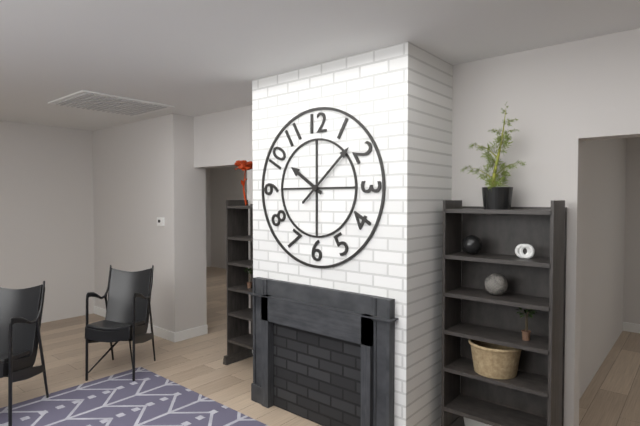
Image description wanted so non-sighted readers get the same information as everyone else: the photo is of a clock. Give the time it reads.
10:08
